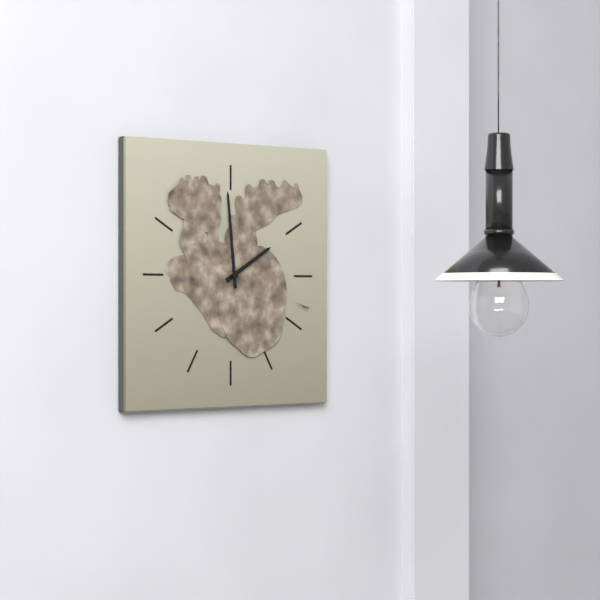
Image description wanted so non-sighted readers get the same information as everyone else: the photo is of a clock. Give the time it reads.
1:59
